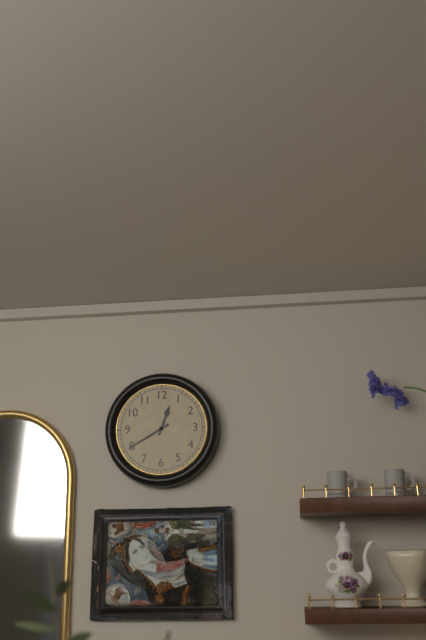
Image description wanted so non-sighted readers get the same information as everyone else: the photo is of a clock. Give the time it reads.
12:40
